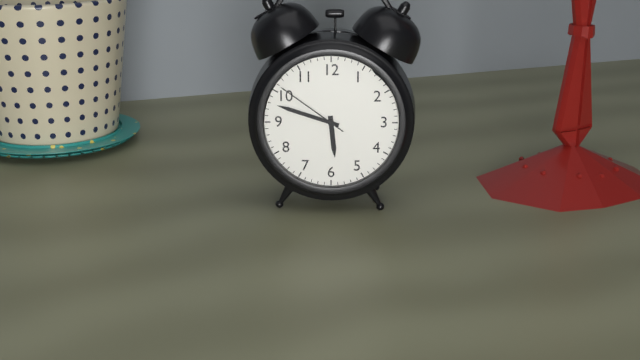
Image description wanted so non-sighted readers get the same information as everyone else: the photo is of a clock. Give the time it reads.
5:48:51
